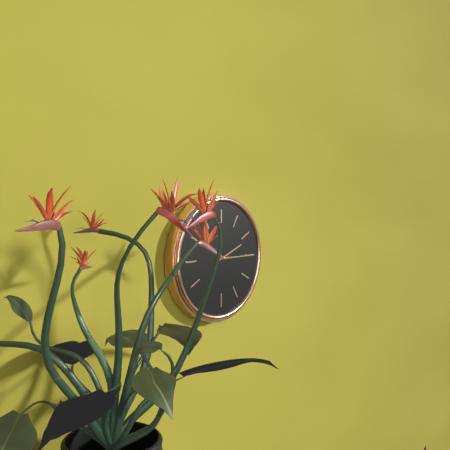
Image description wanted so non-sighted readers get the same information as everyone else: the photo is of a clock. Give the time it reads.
2:15
